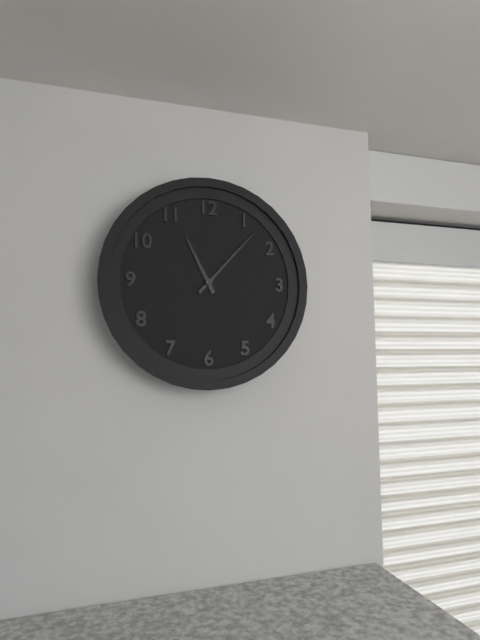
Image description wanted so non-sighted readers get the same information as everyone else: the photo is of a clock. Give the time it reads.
11:07
